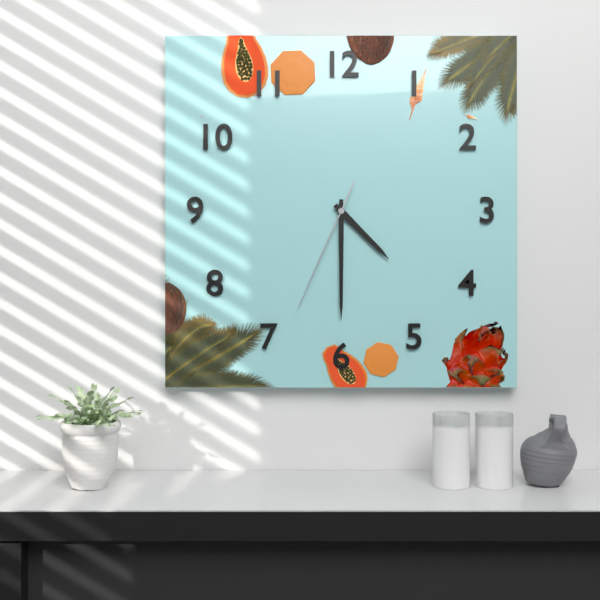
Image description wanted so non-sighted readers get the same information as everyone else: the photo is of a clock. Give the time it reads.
4:30:34
